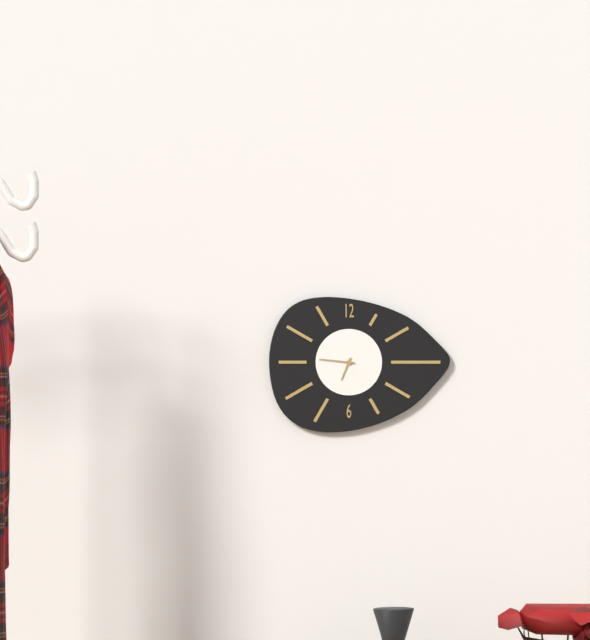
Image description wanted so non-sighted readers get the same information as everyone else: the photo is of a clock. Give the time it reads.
6:46
